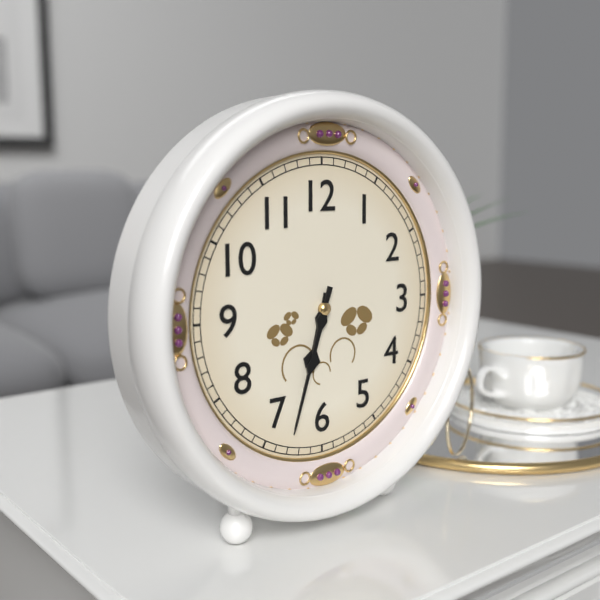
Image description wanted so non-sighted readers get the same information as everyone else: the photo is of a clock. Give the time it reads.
6:33
